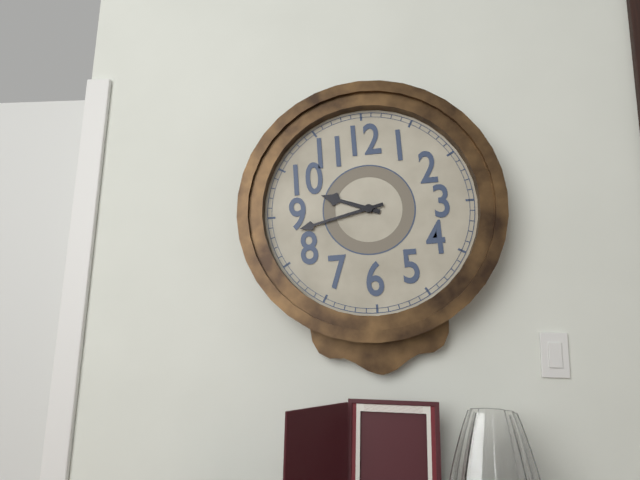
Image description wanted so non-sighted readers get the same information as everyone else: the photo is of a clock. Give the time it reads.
9:43
